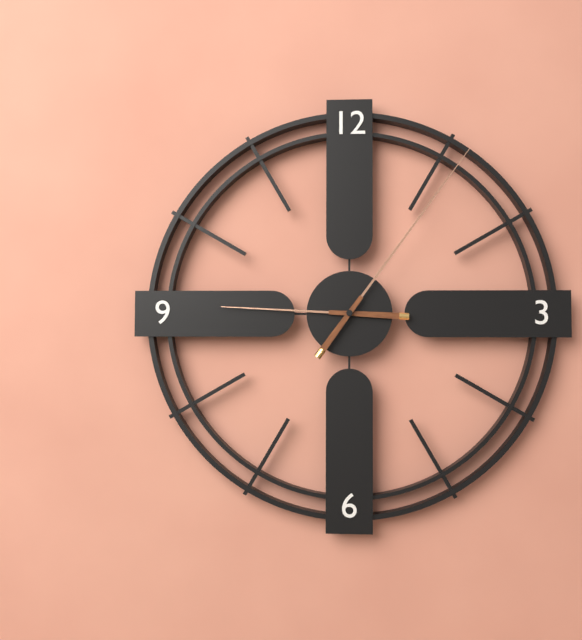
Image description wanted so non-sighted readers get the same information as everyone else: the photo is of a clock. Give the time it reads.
9:06
